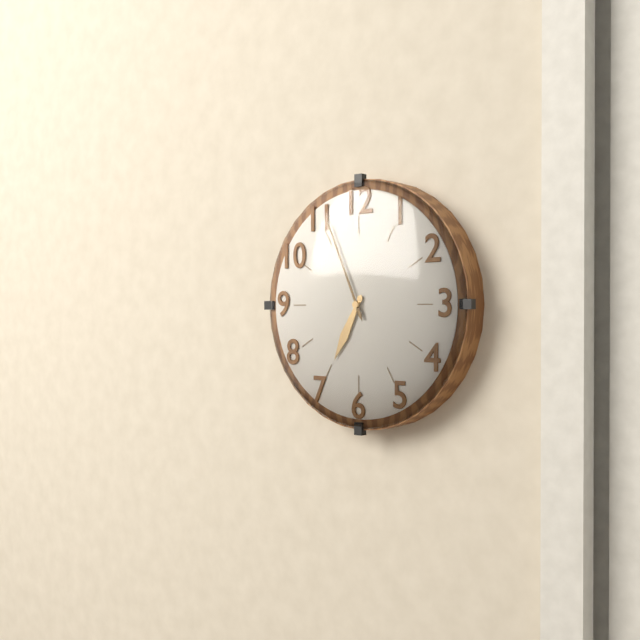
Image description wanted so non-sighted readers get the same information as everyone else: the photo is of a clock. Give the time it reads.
6:56
